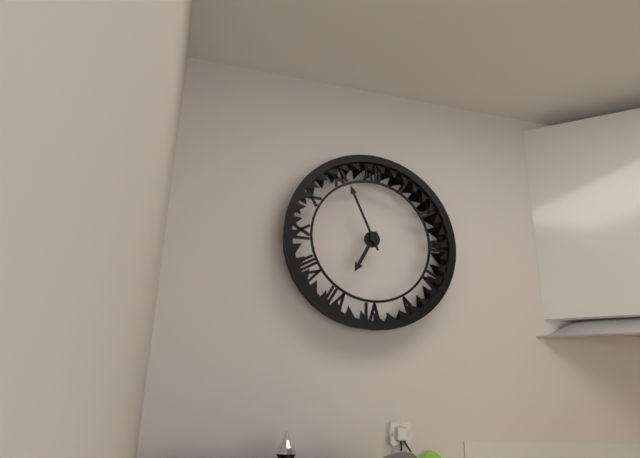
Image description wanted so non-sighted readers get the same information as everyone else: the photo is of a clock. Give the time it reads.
6:56
